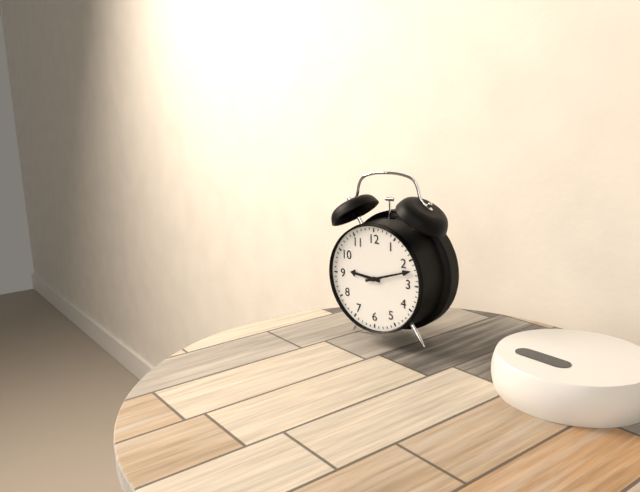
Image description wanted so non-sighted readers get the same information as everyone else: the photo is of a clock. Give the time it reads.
9:12
